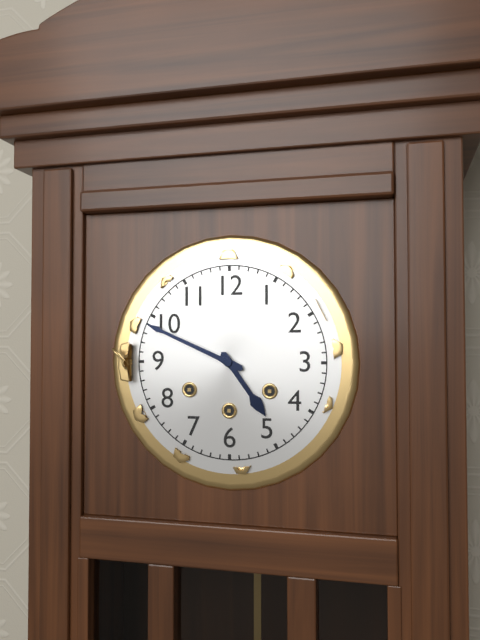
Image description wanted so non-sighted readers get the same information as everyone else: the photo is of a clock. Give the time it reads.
4:49
